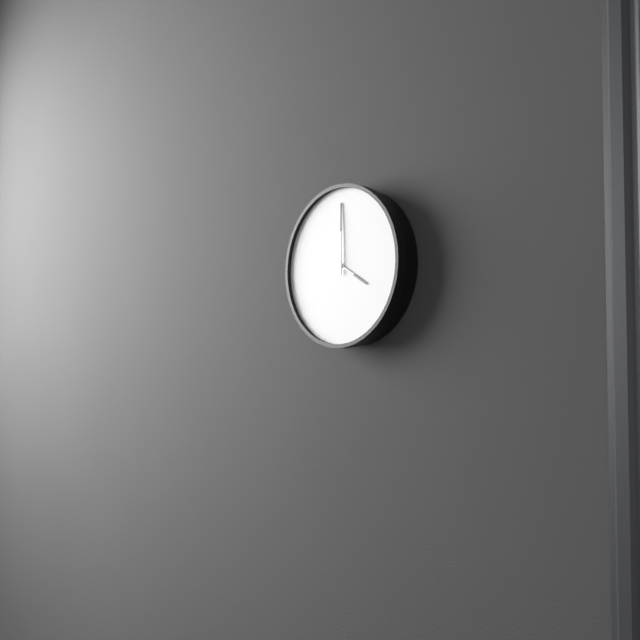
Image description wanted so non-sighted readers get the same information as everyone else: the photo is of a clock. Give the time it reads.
4:00
